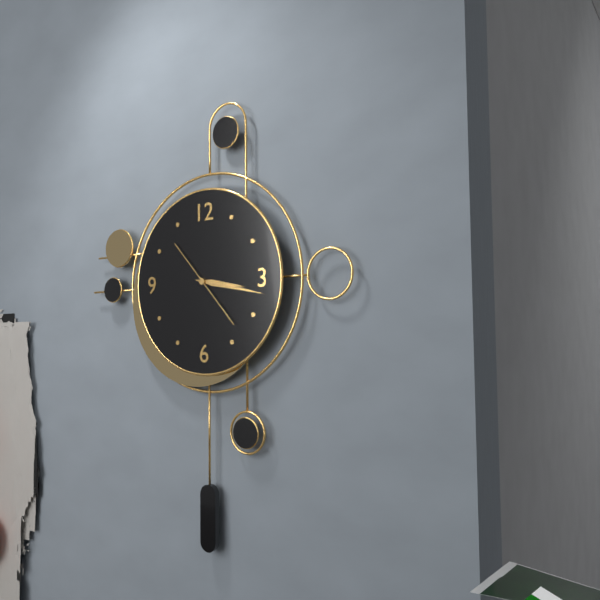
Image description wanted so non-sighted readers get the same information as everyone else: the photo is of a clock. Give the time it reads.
3:17:23
